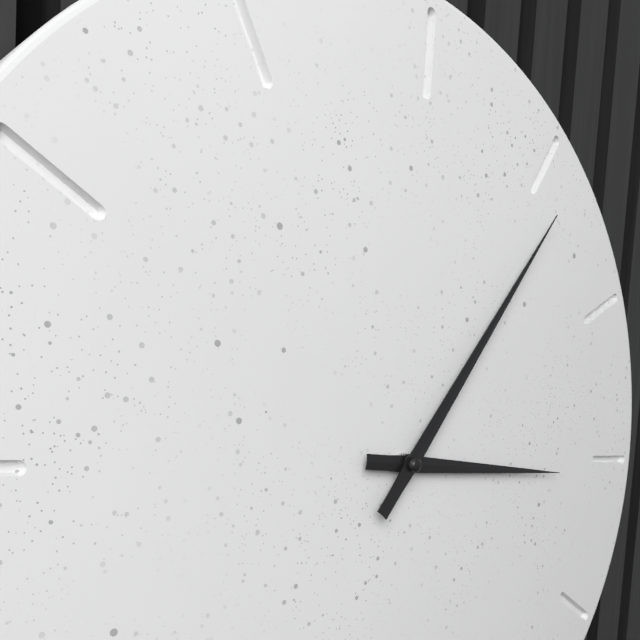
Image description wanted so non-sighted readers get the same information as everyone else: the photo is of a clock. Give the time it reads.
3:06
